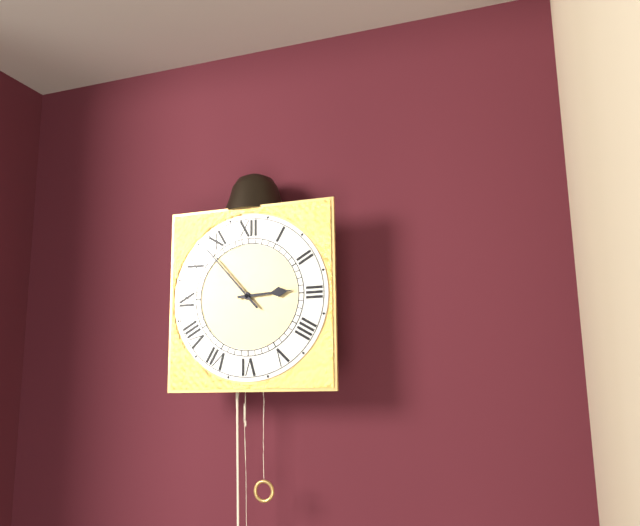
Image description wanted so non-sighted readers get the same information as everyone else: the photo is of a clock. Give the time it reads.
2:53
